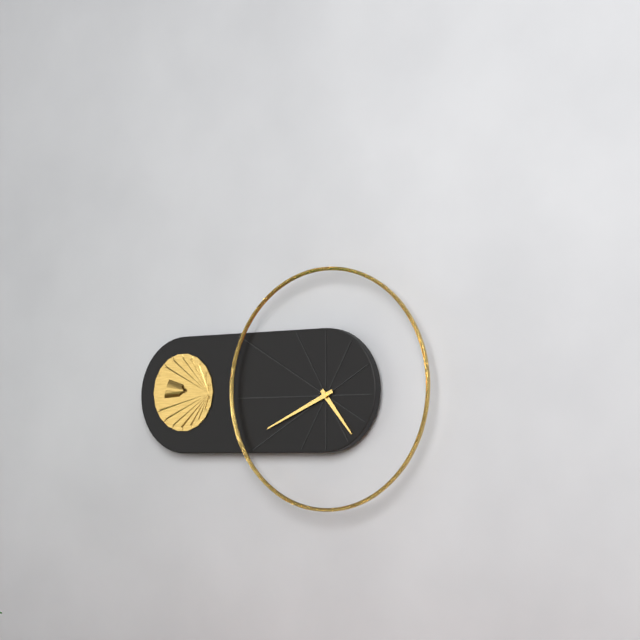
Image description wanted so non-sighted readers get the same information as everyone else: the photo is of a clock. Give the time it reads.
4:41
